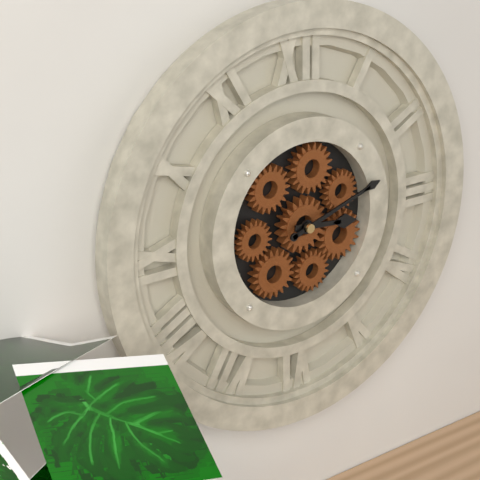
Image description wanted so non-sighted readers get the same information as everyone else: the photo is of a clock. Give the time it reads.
3:12
